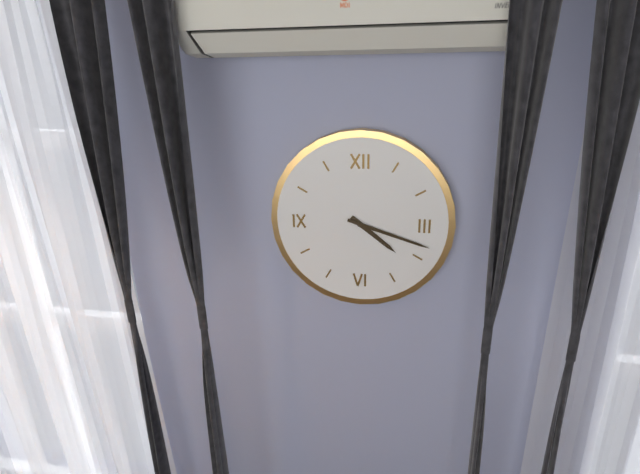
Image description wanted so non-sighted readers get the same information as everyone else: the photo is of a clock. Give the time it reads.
4:18
